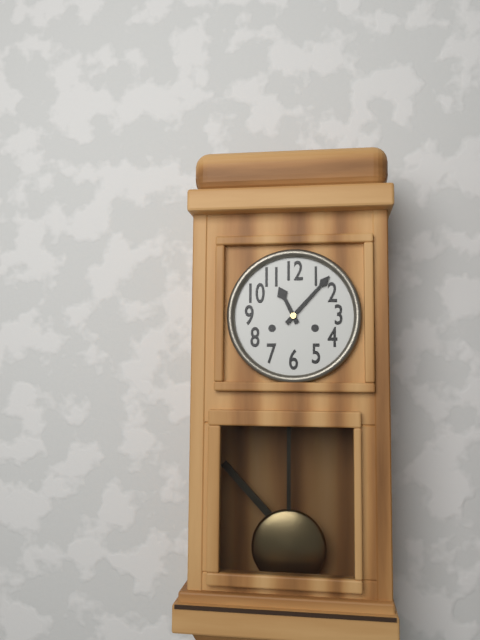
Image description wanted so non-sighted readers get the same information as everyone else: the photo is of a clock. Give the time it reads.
11:07
